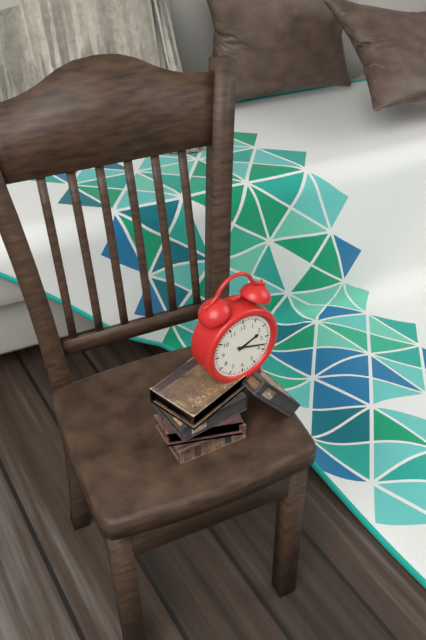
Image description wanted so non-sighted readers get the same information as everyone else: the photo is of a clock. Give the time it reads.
2:18
